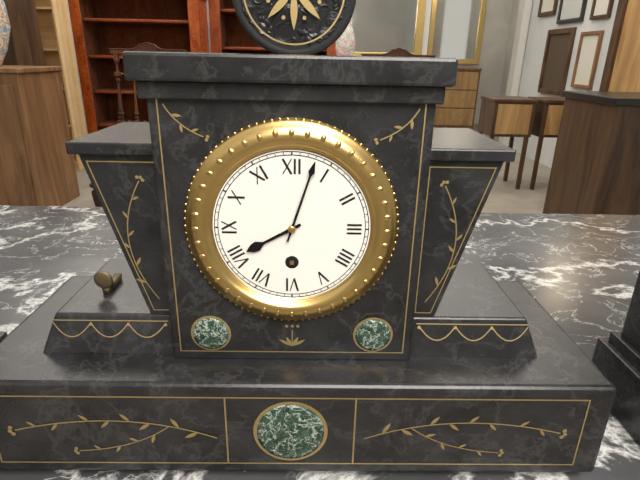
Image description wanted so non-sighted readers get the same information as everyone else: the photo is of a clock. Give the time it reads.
8:03
